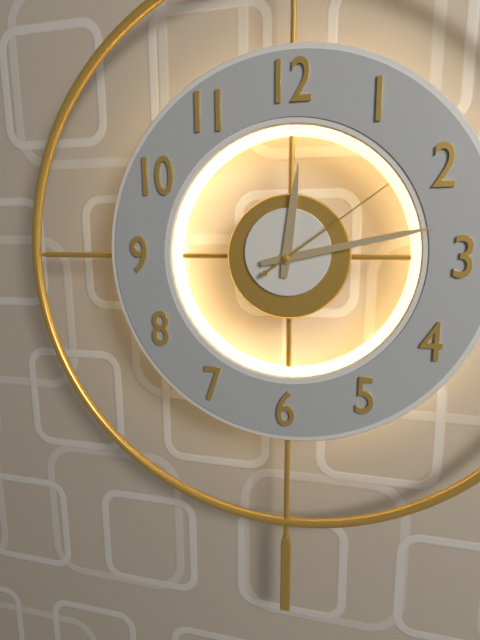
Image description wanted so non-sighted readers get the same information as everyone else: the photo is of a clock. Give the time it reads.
12:13:09
